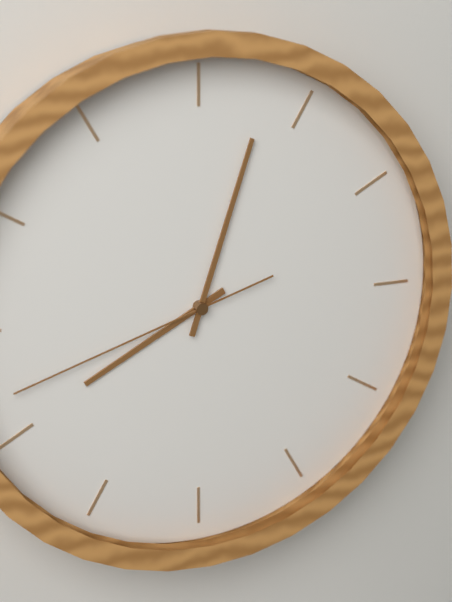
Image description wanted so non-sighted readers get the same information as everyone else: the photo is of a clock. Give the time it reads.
8:03:42
